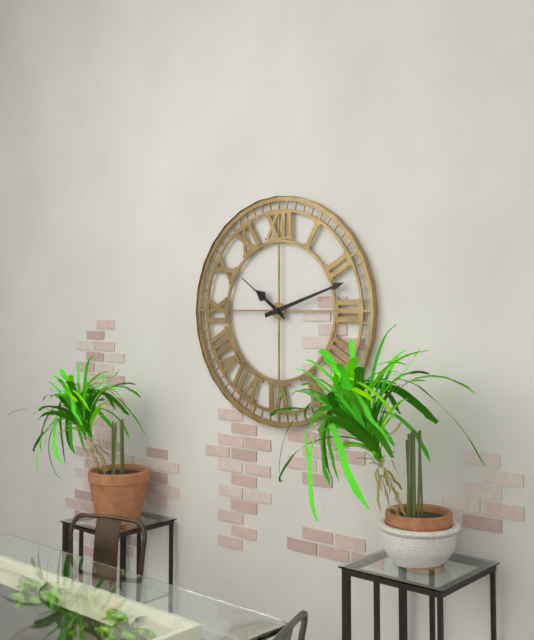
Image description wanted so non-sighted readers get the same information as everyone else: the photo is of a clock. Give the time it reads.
10:12:51
